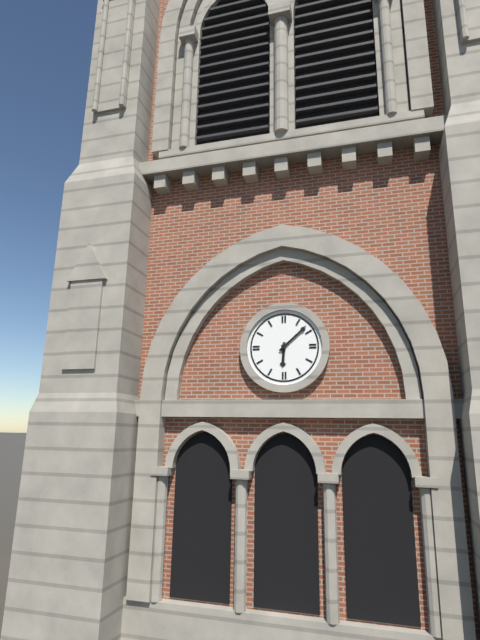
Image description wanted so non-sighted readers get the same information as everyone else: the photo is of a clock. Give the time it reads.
6:08
